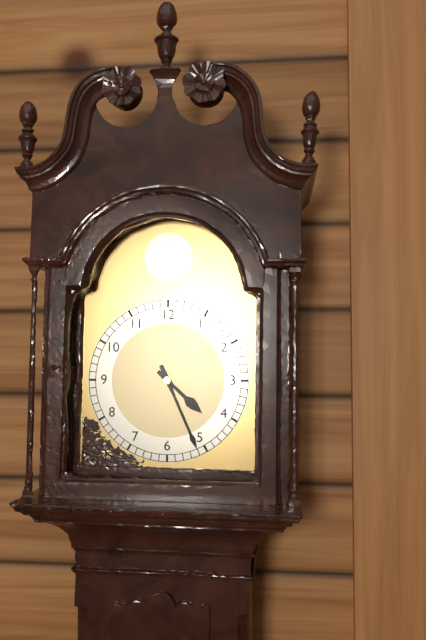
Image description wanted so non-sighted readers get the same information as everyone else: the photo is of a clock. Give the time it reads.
4:26
